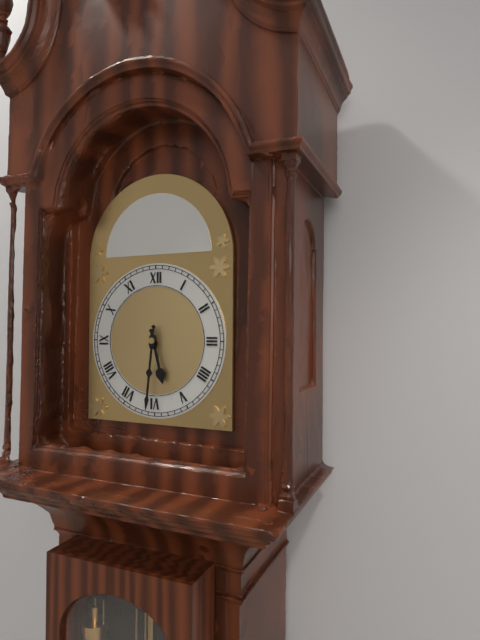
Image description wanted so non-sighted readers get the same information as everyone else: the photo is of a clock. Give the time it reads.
5:31
